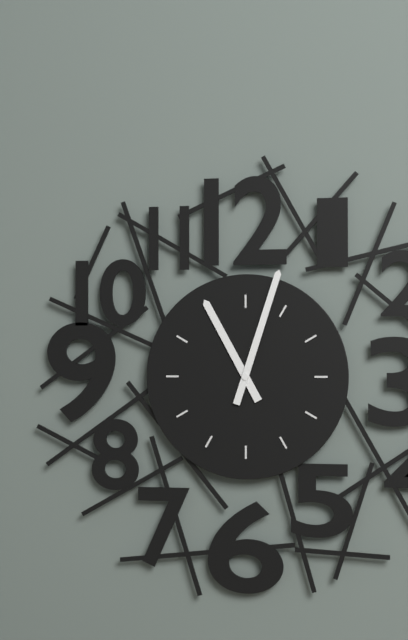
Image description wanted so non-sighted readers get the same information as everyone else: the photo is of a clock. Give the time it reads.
11:03
